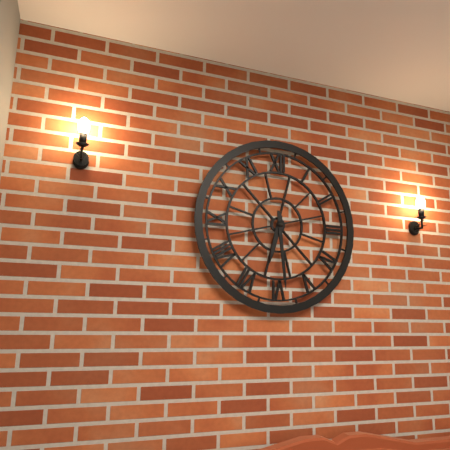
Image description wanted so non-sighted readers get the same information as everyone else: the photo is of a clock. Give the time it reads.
6:29
